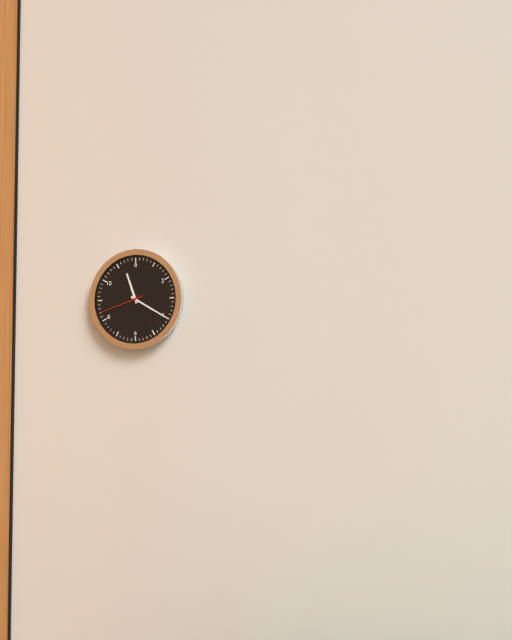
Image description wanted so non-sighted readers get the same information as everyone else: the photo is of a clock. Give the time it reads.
11:20
